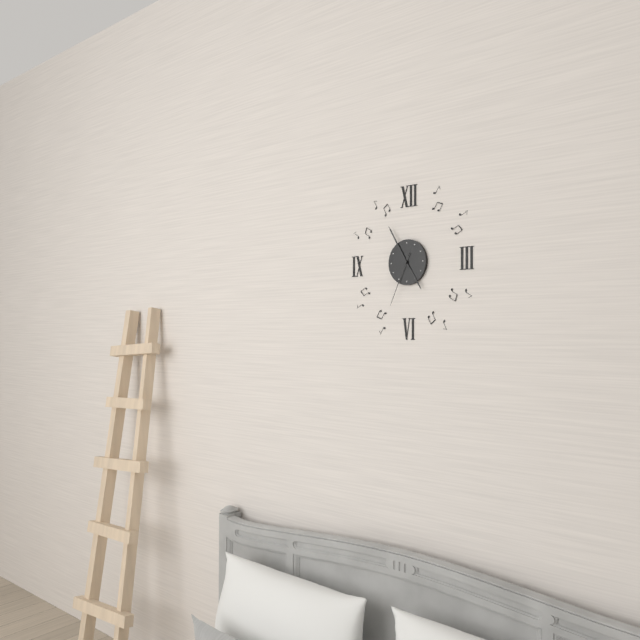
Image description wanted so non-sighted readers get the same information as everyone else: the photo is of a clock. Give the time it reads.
4:55:34
